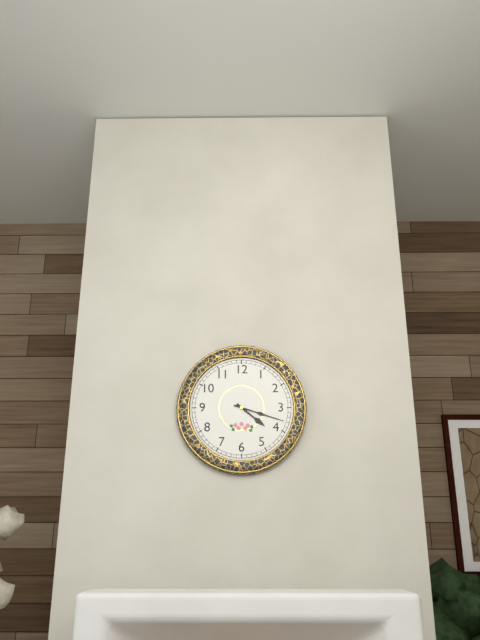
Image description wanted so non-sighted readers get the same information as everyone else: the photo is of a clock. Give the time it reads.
4:18
